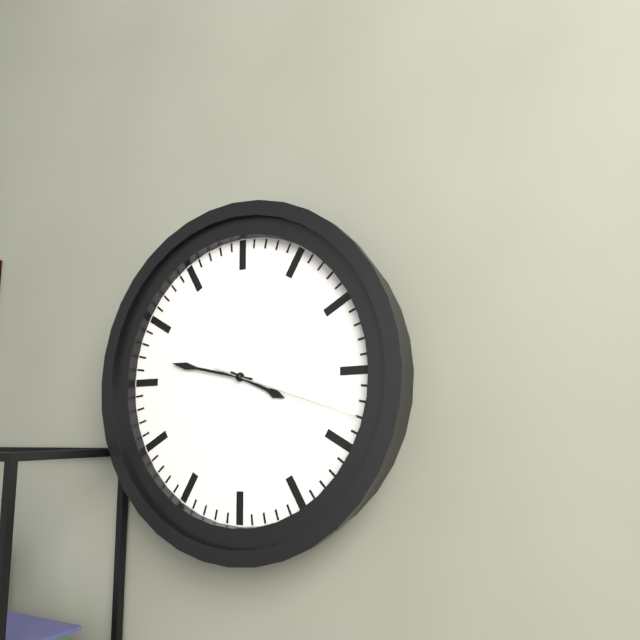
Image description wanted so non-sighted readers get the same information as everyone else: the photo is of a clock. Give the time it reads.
3:47:18
